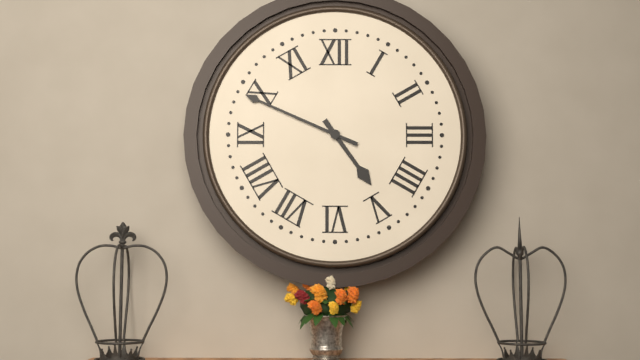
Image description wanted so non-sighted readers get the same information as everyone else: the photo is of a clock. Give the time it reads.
4:49
